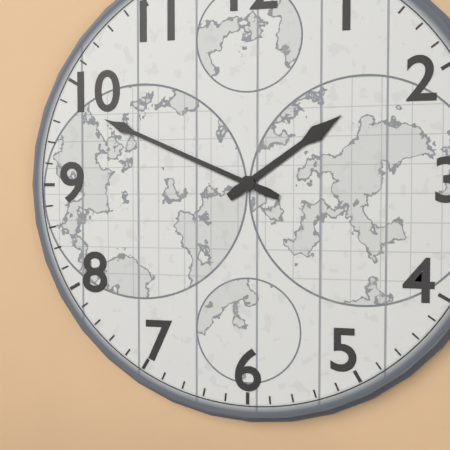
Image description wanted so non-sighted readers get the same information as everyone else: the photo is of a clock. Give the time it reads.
1:49
